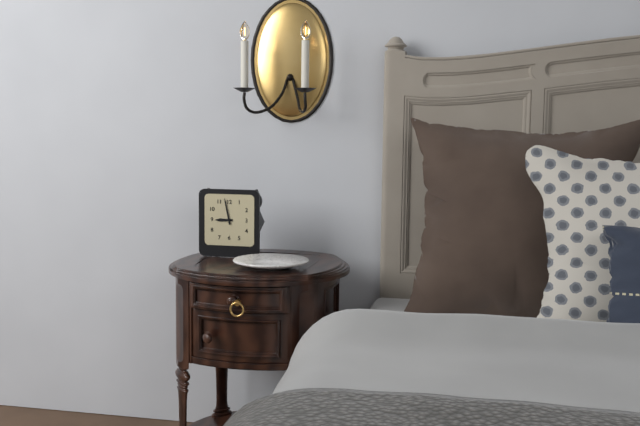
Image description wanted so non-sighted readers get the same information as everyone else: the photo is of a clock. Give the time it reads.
8:58
